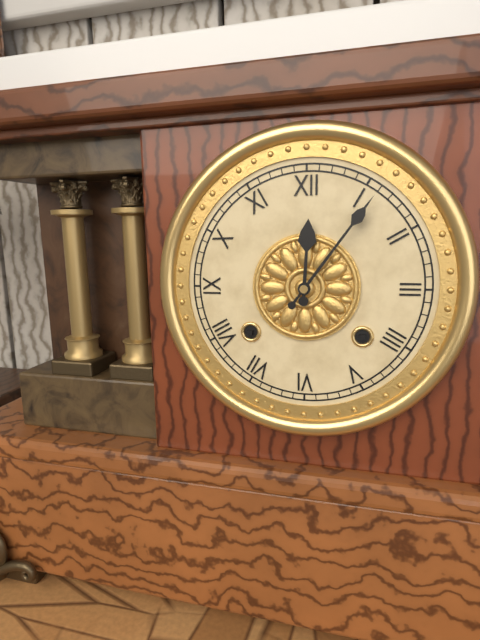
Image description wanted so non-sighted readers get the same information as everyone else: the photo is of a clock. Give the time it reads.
12:06
